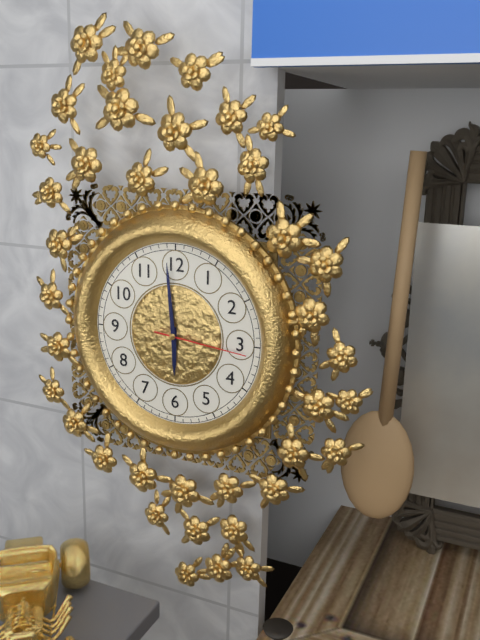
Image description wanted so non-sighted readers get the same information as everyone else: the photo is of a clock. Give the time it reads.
5:59:16
